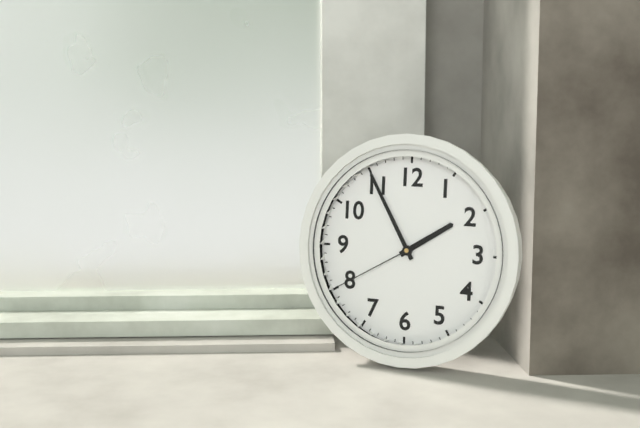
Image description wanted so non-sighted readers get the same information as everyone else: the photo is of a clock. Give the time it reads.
1:55:40
